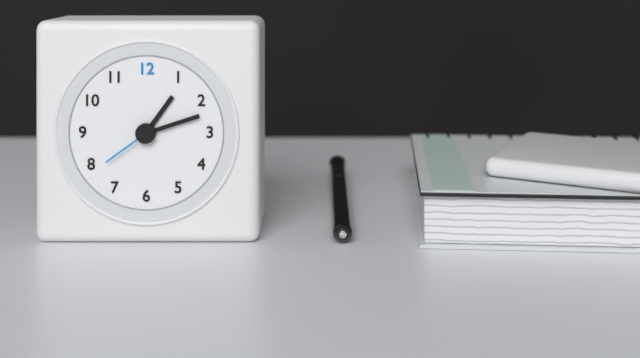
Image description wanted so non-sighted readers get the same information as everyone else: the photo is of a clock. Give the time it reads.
1:12:39
